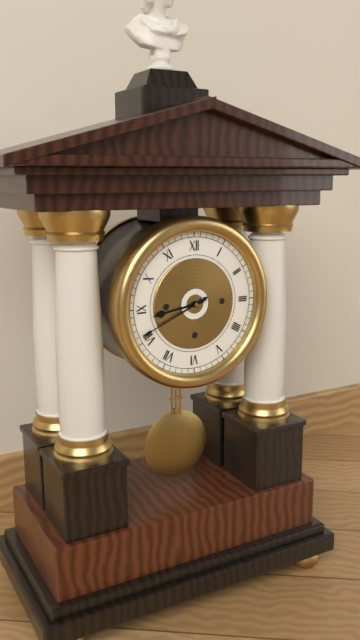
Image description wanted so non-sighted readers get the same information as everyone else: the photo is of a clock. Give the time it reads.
8:41
